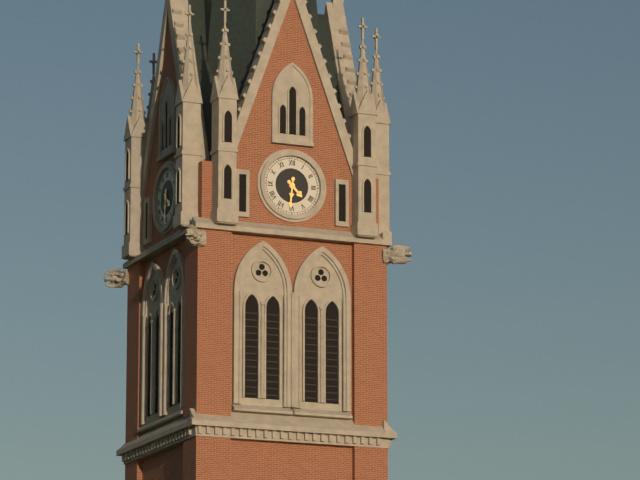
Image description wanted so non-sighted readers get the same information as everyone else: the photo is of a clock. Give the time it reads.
4:31
